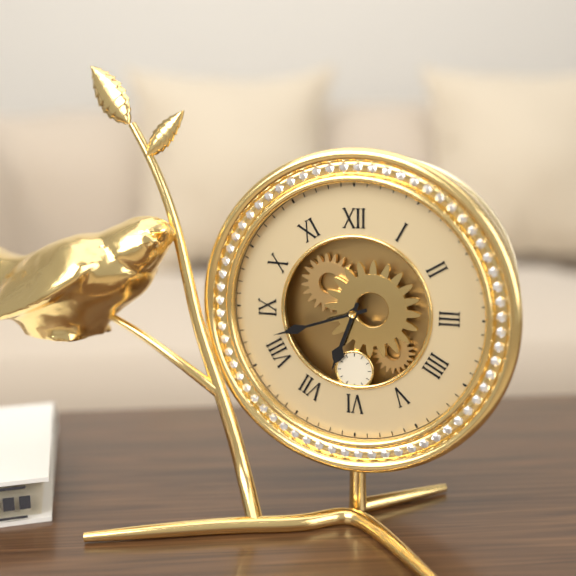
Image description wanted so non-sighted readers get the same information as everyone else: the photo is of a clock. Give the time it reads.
6:42
